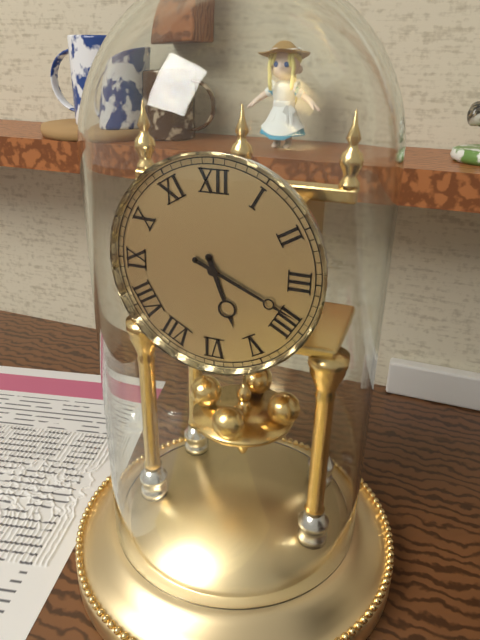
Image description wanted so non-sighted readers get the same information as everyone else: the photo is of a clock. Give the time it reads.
5:19
